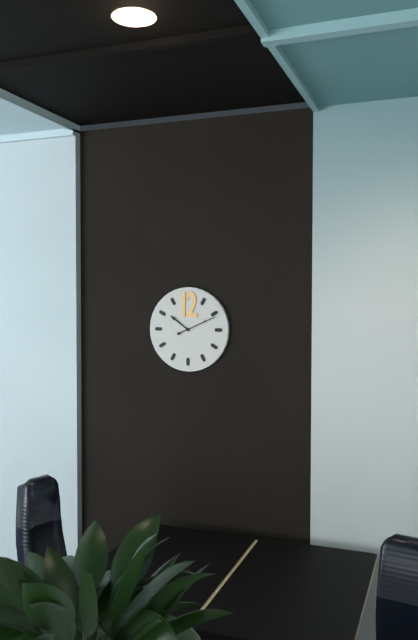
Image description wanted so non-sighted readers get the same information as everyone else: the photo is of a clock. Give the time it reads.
10:11
